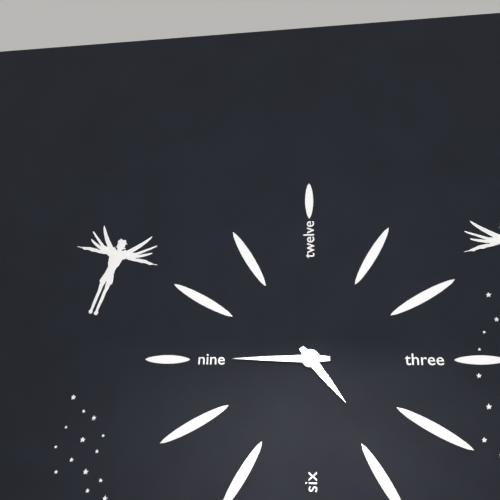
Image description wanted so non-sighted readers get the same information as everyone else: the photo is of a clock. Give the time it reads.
4:45
